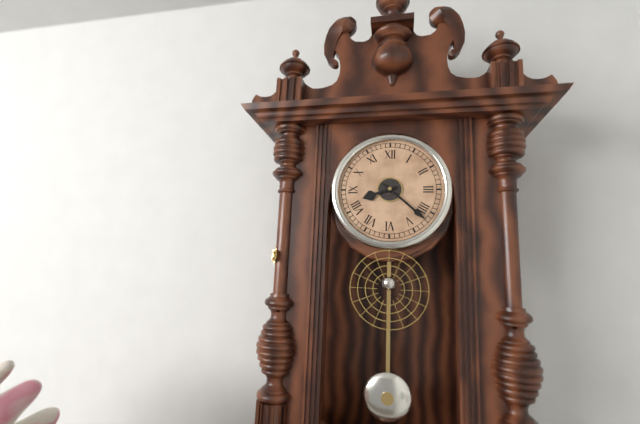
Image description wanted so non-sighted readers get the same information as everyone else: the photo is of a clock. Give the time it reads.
8:22
